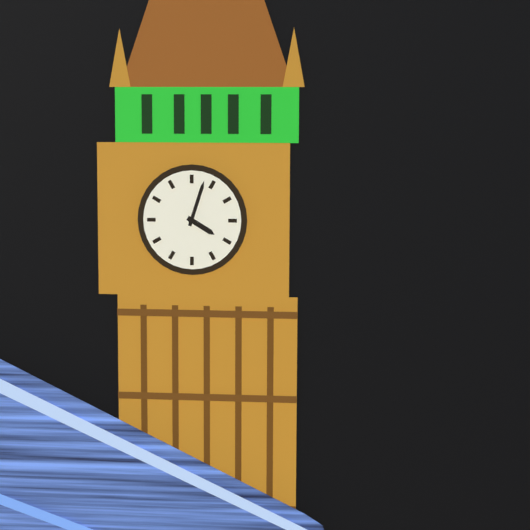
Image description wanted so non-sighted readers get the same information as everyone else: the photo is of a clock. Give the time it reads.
4:03
